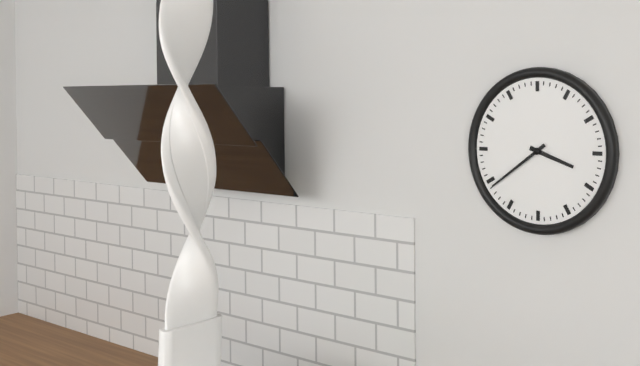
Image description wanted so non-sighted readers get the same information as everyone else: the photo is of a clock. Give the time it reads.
3:39
